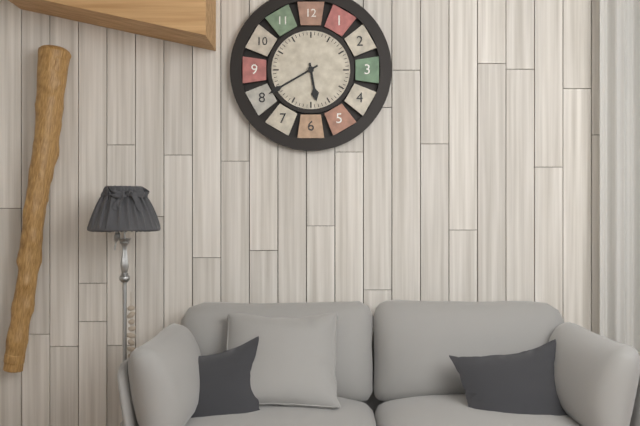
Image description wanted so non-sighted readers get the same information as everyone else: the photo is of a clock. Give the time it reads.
5:40
